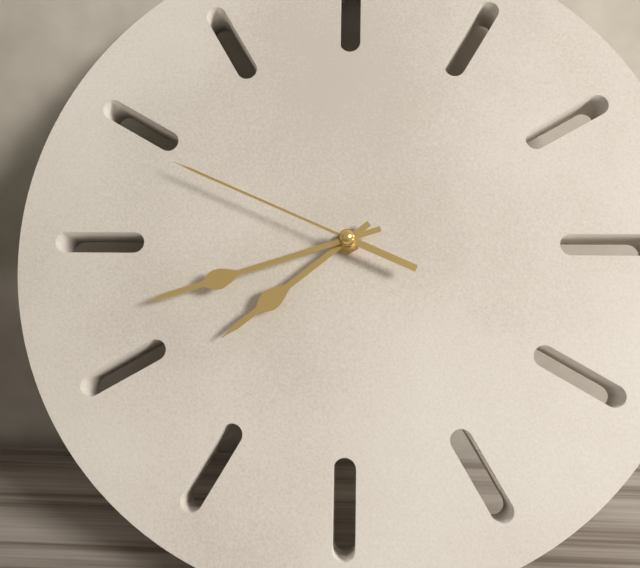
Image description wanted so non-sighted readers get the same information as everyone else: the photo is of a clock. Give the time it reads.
7:42:49
